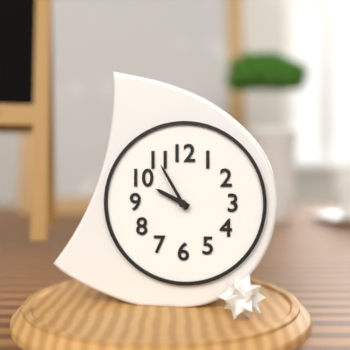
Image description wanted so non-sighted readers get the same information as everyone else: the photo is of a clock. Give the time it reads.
9:55
